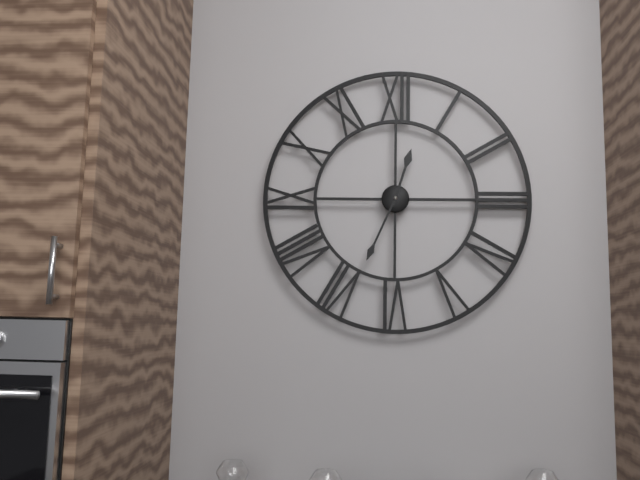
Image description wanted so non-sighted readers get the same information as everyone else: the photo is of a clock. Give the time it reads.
12:34
